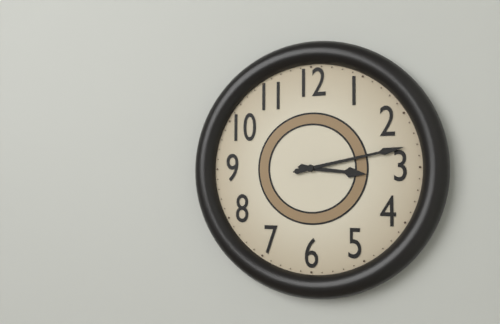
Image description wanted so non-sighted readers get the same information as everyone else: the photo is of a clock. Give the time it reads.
3:13
